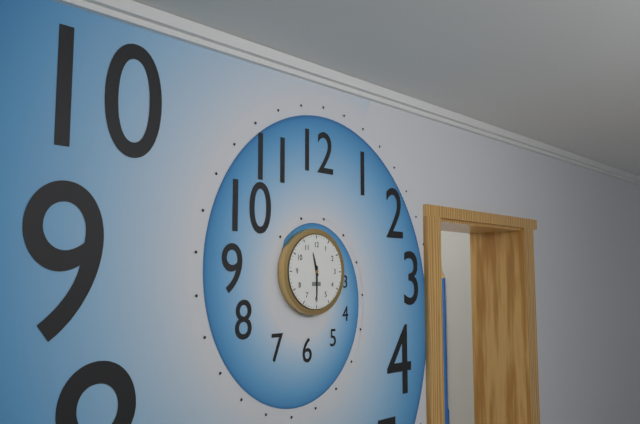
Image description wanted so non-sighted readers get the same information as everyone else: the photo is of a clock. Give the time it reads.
11:30
